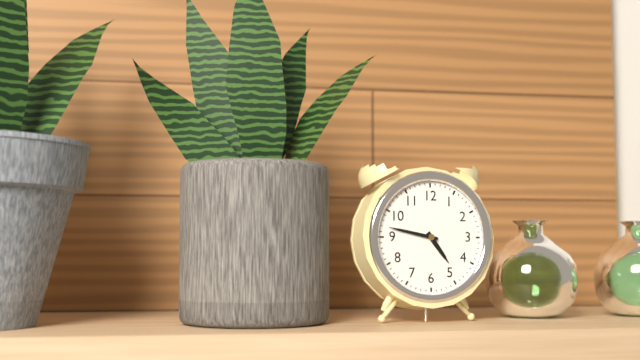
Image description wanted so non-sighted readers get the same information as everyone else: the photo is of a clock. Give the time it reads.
4:47
